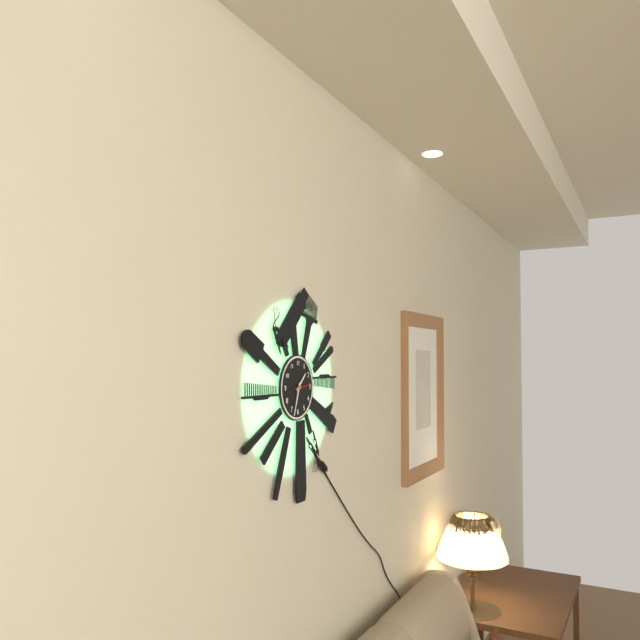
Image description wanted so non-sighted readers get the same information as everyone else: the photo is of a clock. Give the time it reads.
1:33
